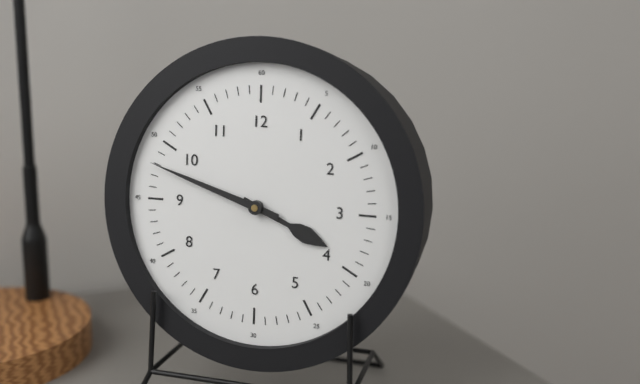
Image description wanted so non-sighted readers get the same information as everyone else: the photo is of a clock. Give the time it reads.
3:48
